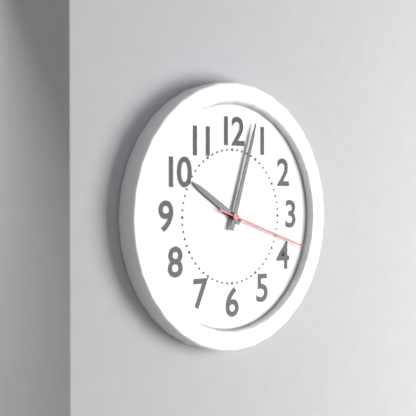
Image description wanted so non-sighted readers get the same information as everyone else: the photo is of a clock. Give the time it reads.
10:03:18
